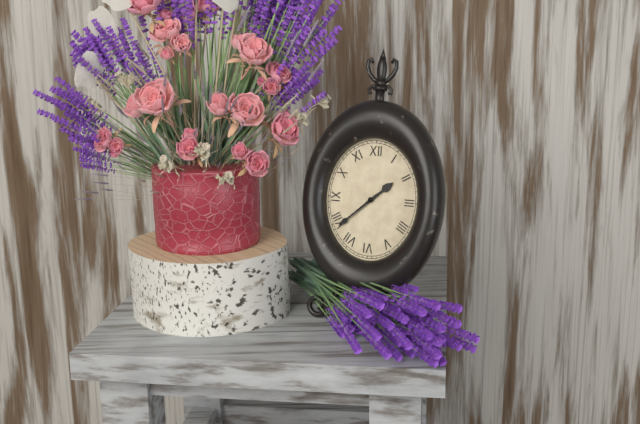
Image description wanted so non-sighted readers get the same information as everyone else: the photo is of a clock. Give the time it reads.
1:38
